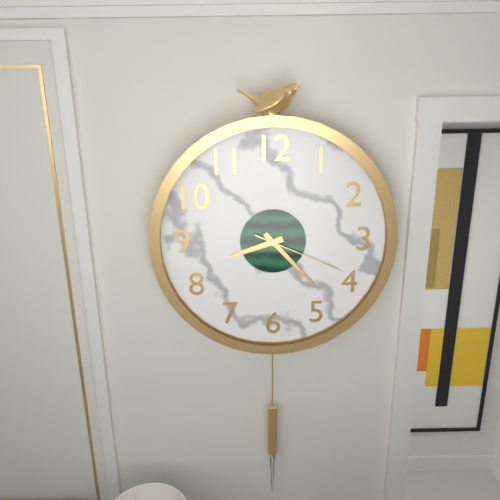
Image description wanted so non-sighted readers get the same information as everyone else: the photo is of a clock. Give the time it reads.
8:23:19
